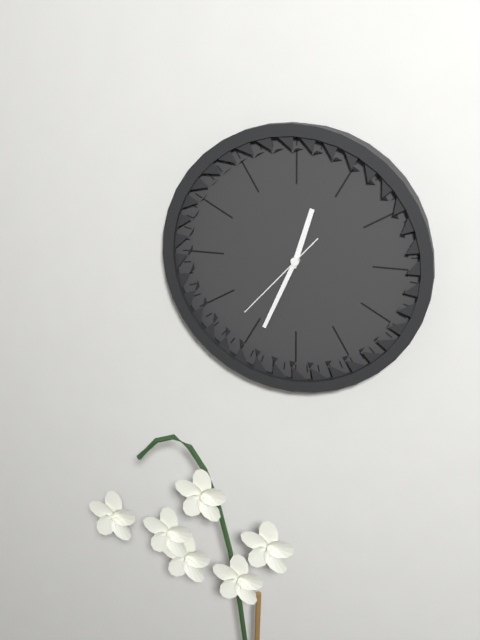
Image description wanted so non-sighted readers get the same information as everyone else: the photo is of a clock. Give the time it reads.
12:34:37
